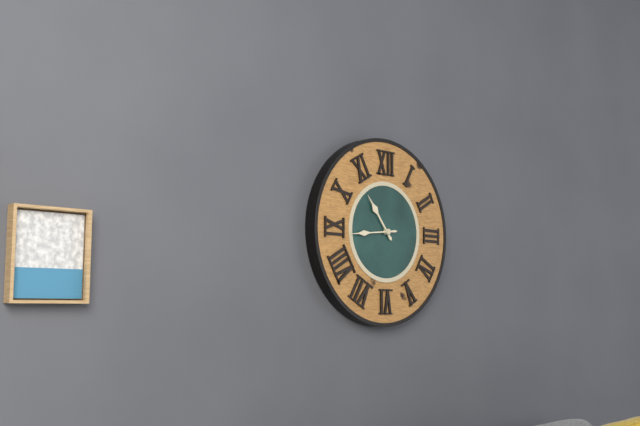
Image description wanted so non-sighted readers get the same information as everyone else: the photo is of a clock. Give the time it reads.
10:44
